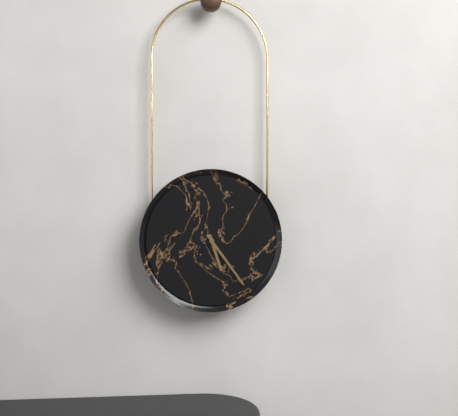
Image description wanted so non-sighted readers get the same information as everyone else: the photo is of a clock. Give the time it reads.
5:24
